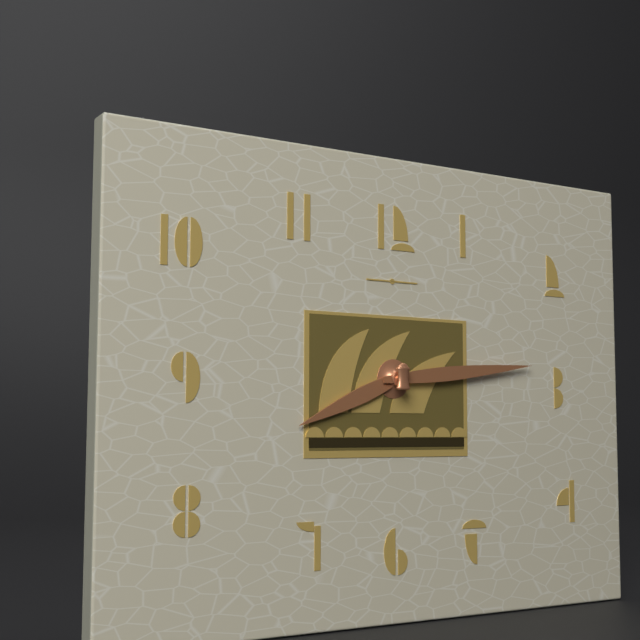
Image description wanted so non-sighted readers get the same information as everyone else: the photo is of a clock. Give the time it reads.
8:14
